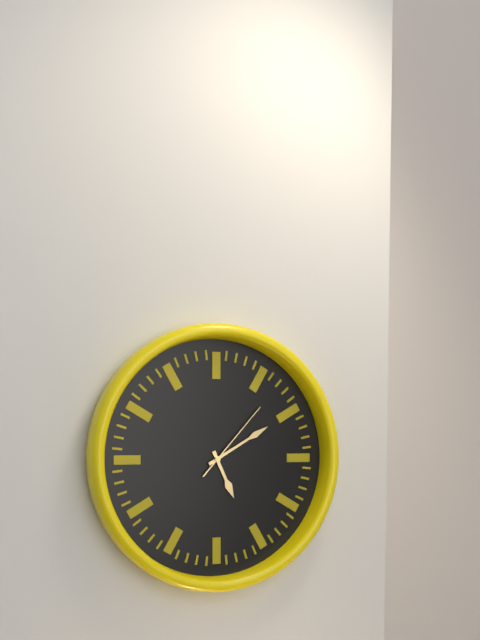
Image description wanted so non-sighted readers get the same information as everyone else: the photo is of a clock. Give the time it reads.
5:10:07
